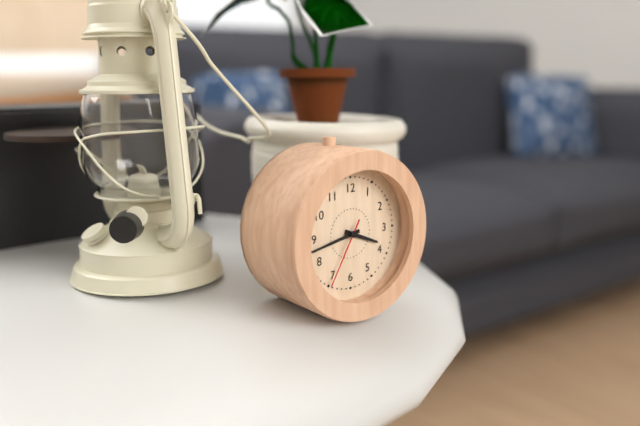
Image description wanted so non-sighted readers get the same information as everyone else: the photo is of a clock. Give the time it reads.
3:43:35
